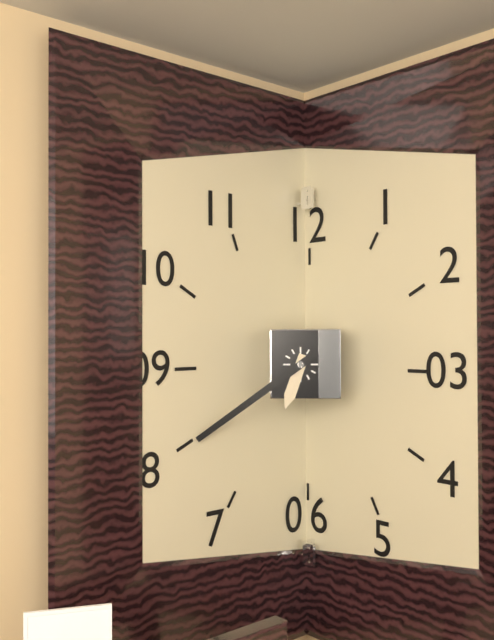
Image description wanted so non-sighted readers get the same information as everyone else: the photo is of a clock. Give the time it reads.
6:39
